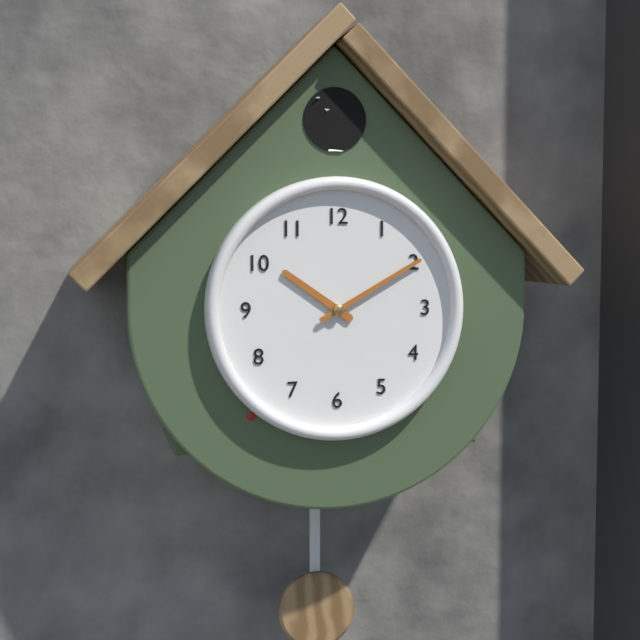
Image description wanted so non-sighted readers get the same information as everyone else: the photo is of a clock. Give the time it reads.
10:10
